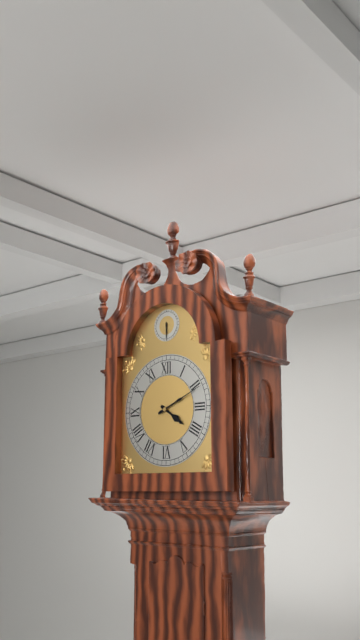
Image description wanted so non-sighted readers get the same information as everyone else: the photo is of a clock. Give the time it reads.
4:11
